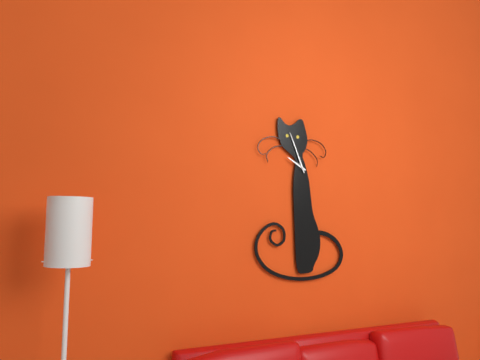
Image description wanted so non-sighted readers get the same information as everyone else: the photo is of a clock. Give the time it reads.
9:56
